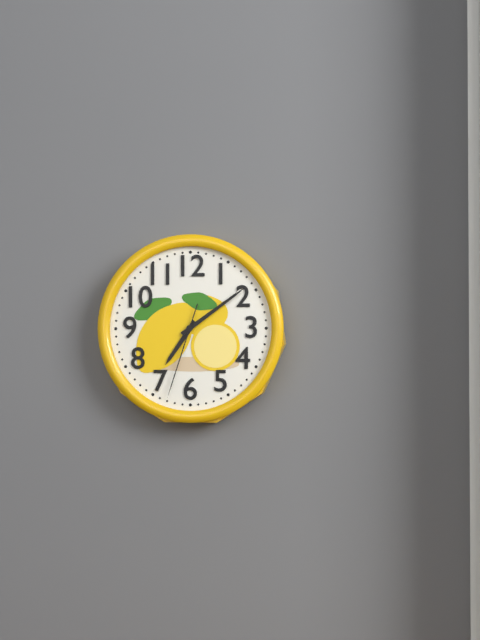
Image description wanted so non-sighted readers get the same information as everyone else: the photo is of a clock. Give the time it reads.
7:09:33
